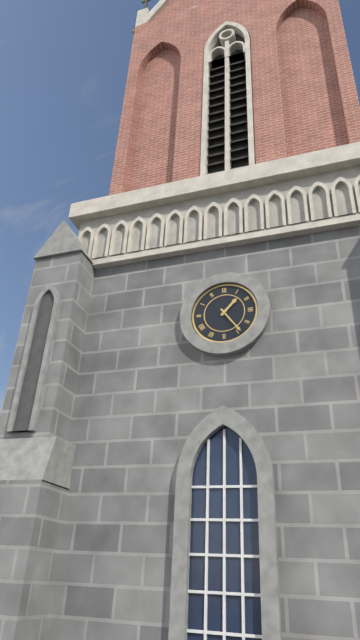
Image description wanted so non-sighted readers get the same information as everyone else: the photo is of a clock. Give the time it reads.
1:24
